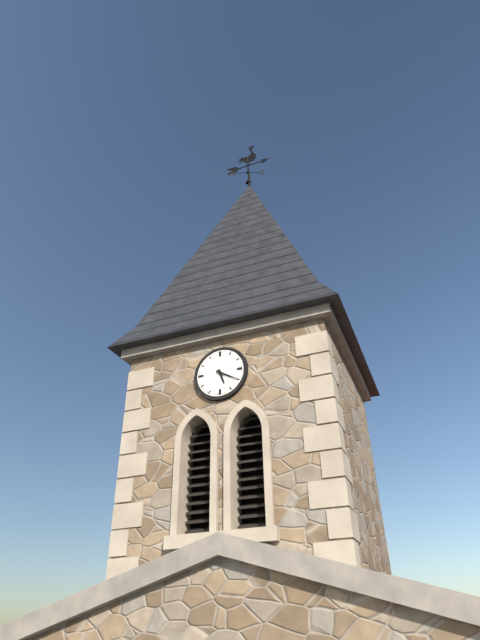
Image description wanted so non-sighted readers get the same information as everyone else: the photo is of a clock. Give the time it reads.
5:20
